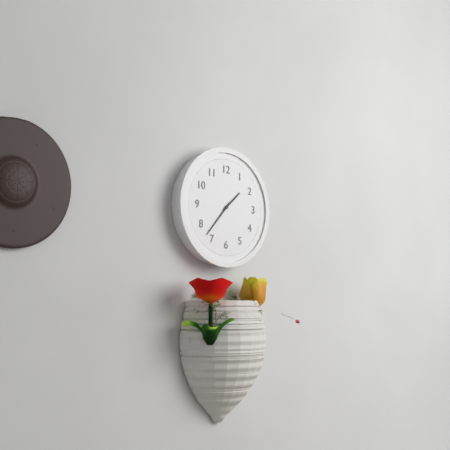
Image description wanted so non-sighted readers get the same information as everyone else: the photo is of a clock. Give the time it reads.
1:37
